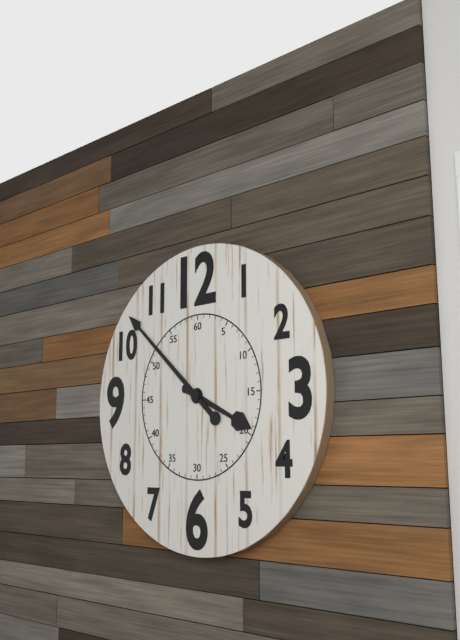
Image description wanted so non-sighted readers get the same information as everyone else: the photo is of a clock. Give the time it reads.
3:52
